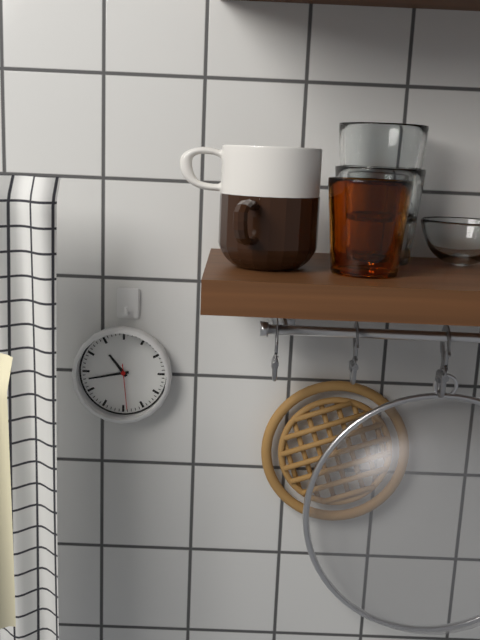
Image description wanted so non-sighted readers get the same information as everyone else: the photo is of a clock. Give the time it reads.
10:43
